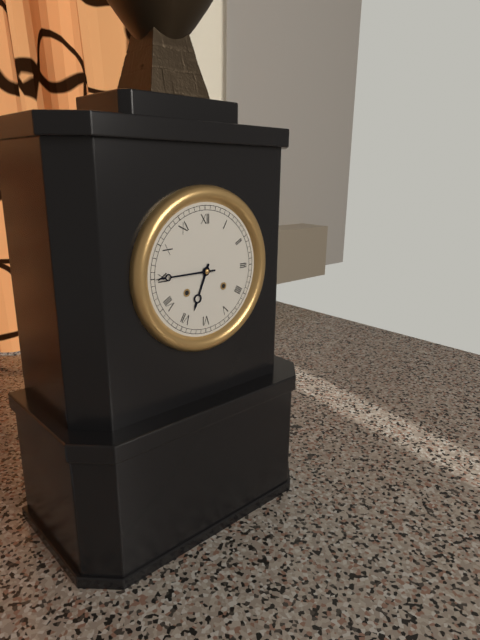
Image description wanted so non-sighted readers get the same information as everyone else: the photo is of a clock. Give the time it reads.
6:45
